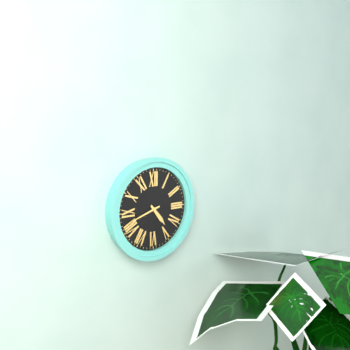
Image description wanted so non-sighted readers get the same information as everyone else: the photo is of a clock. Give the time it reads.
4:42
